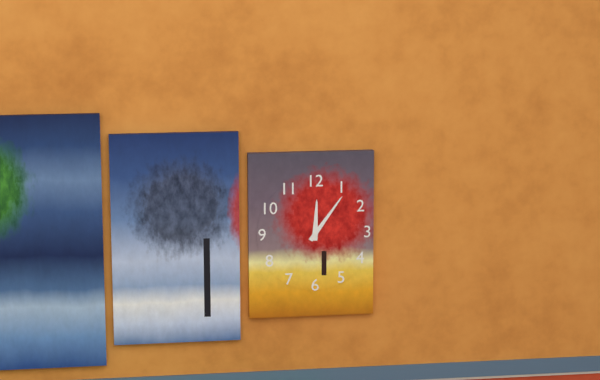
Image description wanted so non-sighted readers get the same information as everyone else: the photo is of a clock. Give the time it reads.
12:06
